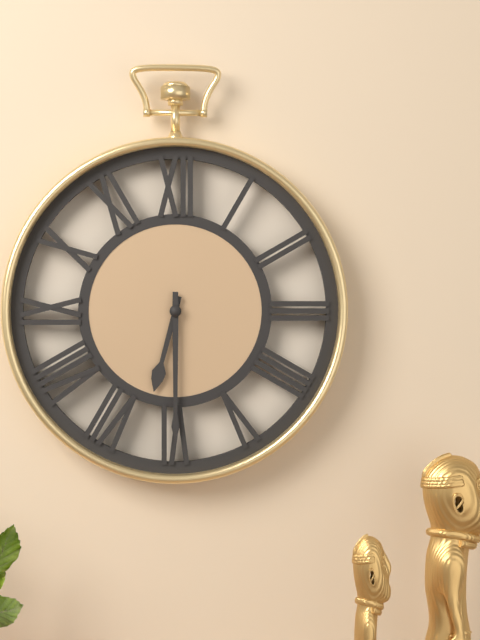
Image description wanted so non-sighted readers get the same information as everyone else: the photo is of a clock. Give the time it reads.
6:30
